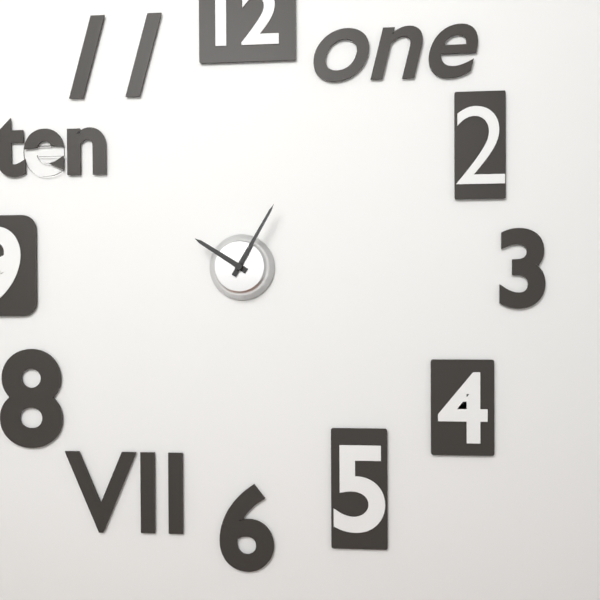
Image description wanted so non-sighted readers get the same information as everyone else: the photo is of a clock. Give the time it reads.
10:05
